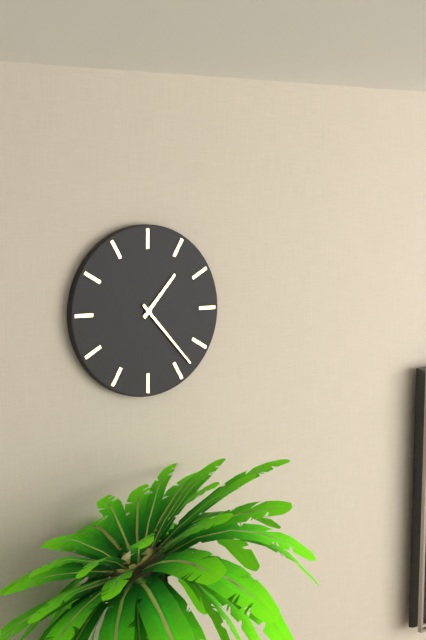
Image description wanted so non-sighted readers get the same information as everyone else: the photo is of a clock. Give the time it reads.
1:23
